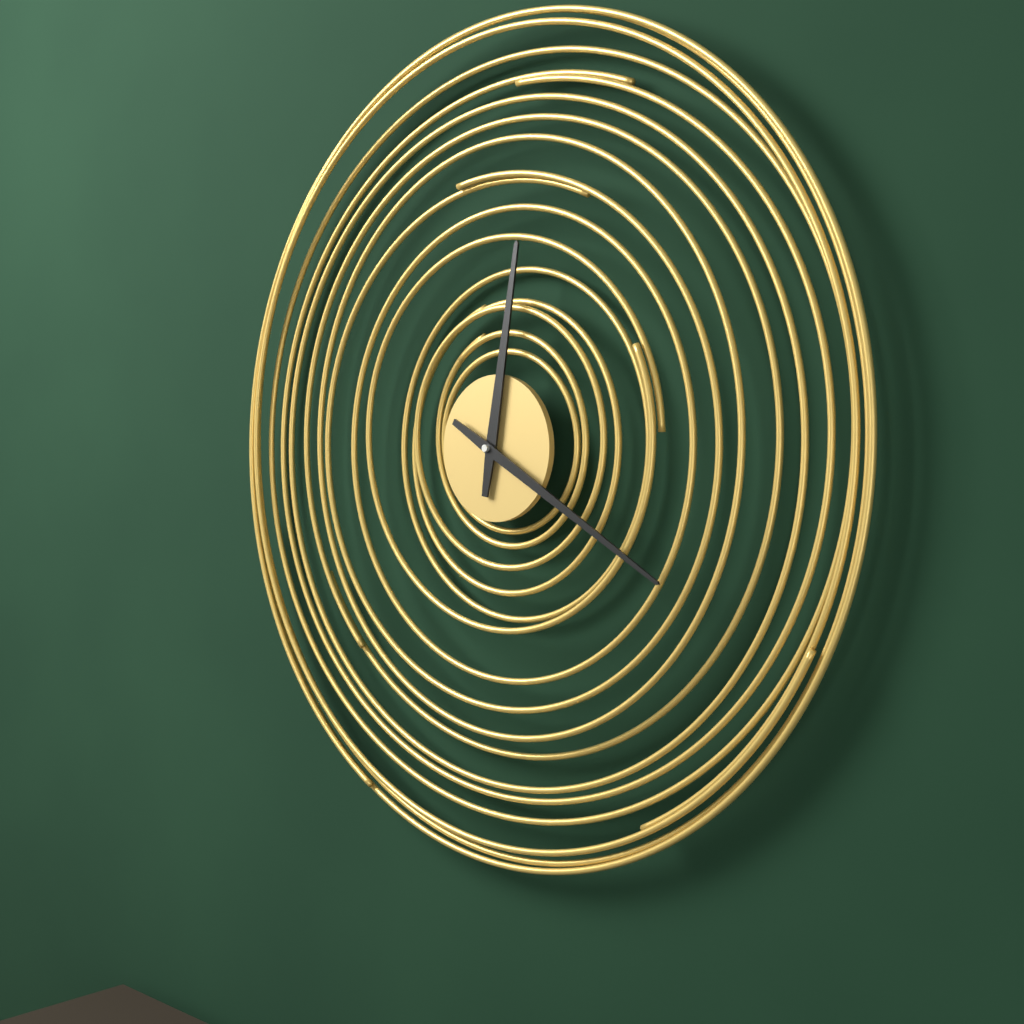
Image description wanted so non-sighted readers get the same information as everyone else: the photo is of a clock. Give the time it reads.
12:20
